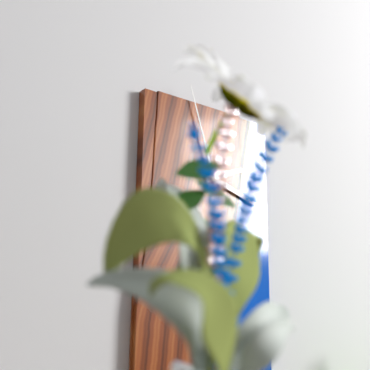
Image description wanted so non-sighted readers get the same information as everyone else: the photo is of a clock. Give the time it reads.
2:18:57
